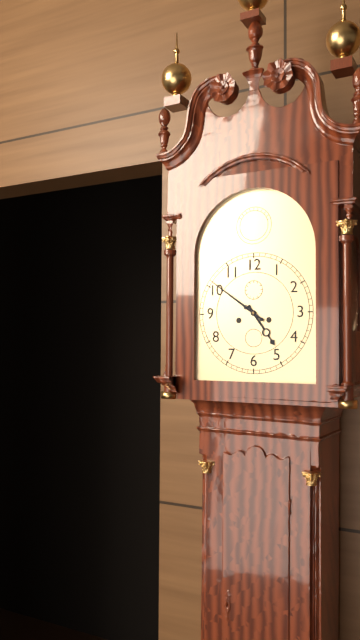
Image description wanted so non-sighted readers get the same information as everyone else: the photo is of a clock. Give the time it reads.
4:51
